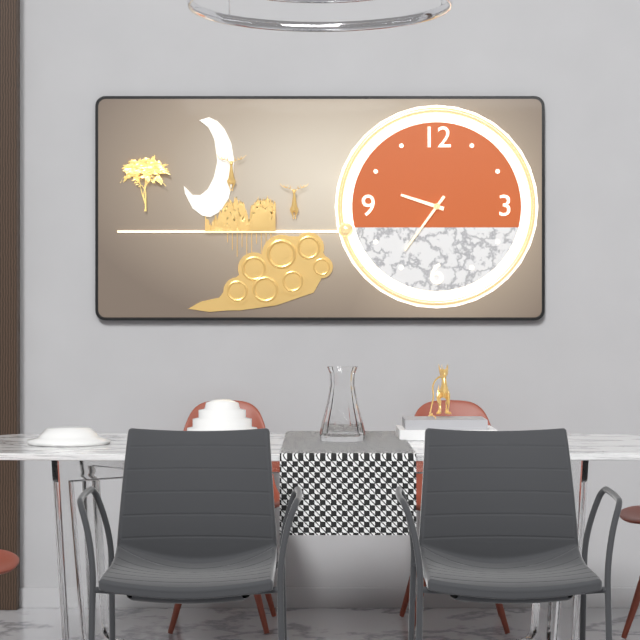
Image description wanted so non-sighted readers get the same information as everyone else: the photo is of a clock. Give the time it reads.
9:36
